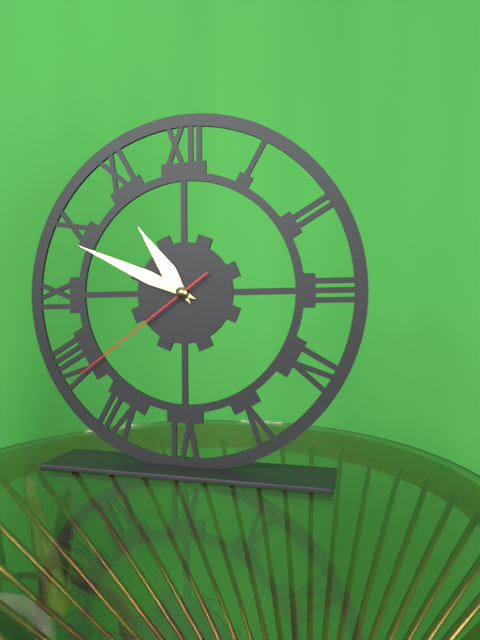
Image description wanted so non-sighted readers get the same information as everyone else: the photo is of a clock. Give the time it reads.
10:49:39
